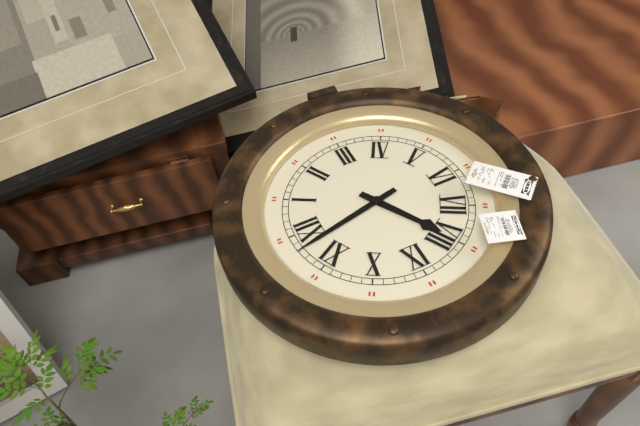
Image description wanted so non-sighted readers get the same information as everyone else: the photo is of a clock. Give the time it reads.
7:58
